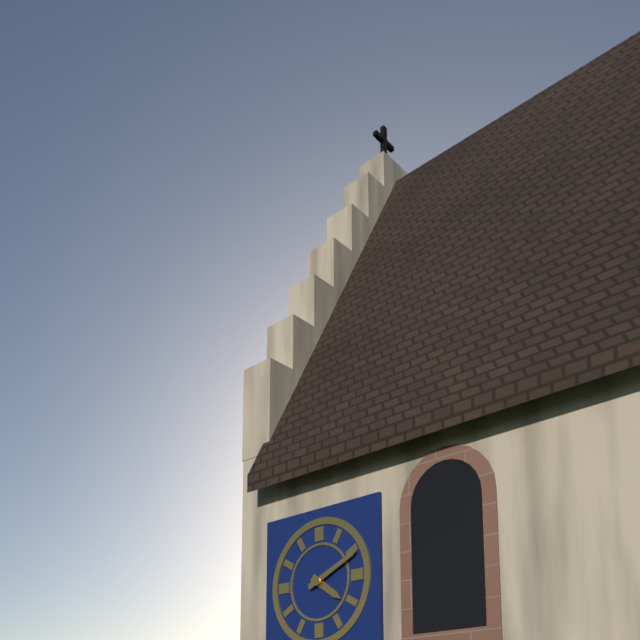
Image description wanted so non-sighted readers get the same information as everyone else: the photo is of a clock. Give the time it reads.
4:11
